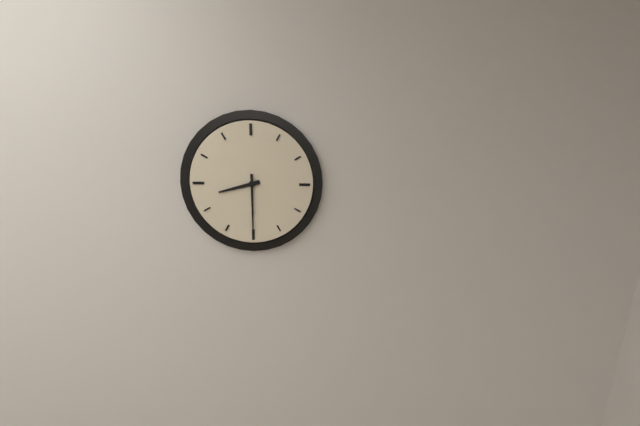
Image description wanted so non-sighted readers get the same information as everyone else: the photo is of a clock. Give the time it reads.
8:30
